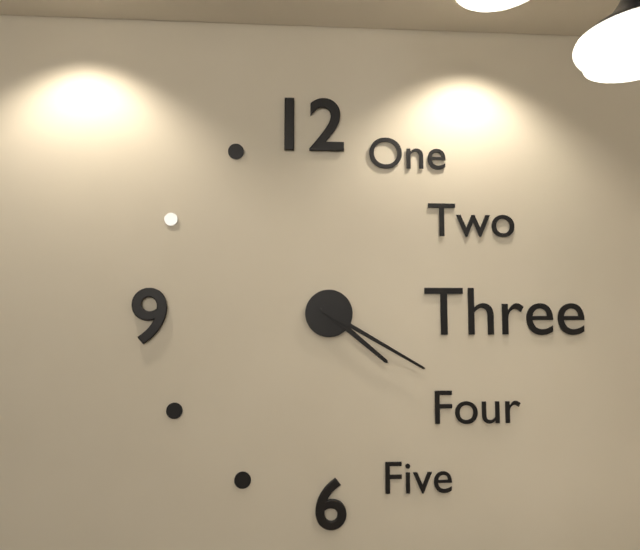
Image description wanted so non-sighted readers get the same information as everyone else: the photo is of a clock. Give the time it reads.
4:20
